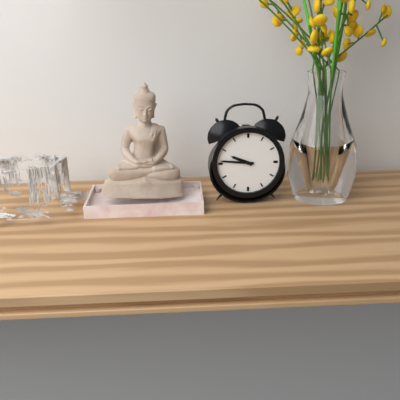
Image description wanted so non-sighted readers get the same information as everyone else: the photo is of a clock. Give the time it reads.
9:46
